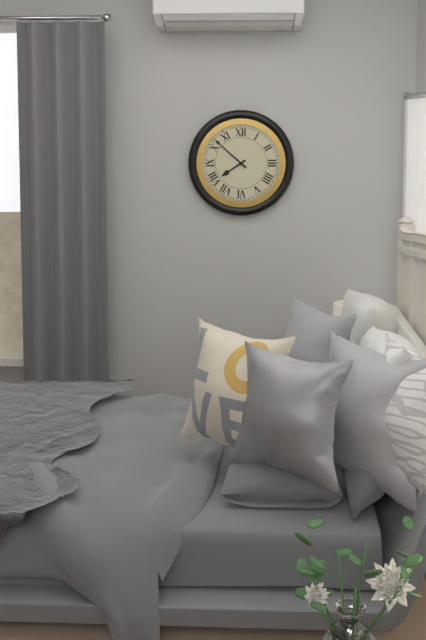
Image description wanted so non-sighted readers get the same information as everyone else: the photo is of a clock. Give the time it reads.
7:52
